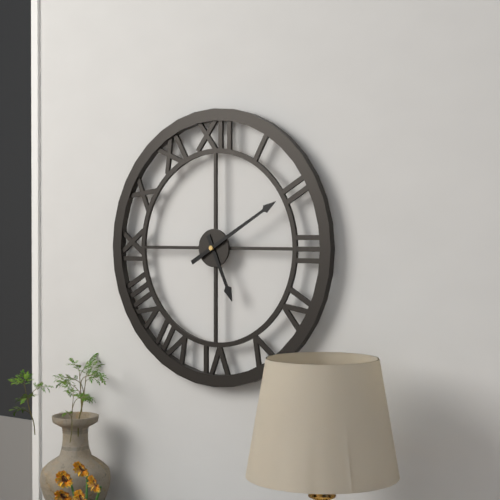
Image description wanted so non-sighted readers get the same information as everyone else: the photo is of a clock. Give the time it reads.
5:10
